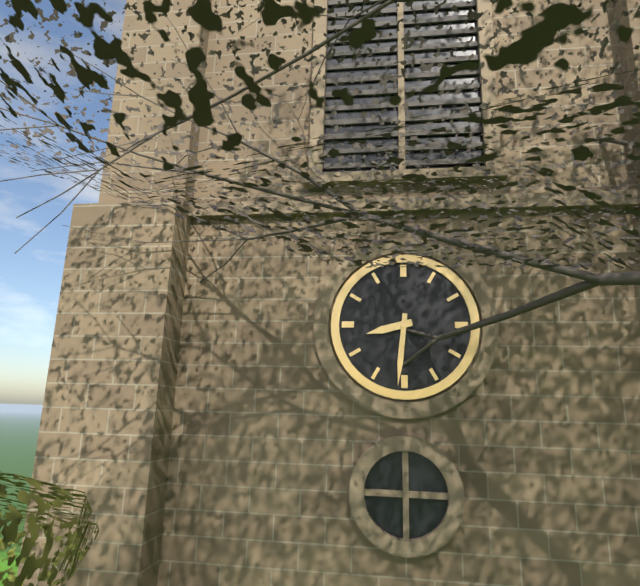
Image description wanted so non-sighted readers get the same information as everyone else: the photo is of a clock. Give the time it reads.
8:31
